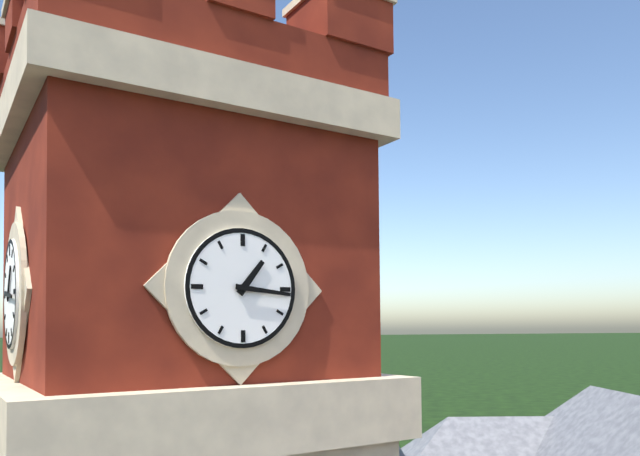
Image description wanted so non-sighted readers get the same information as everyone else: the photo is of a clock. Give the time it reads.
1:16
